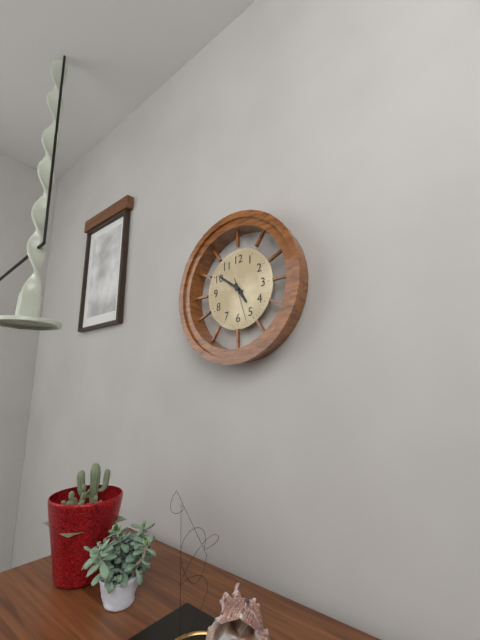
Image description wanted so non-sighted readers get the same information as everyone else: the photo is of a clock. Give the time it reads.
4:51
